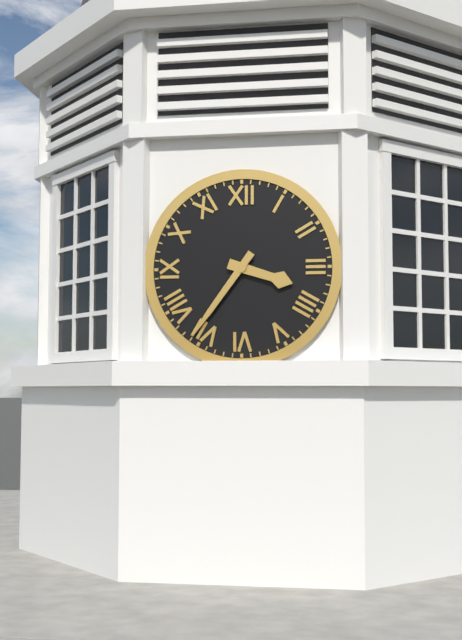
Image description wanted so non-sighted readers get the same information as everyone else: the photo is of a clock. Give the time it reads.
3:36
